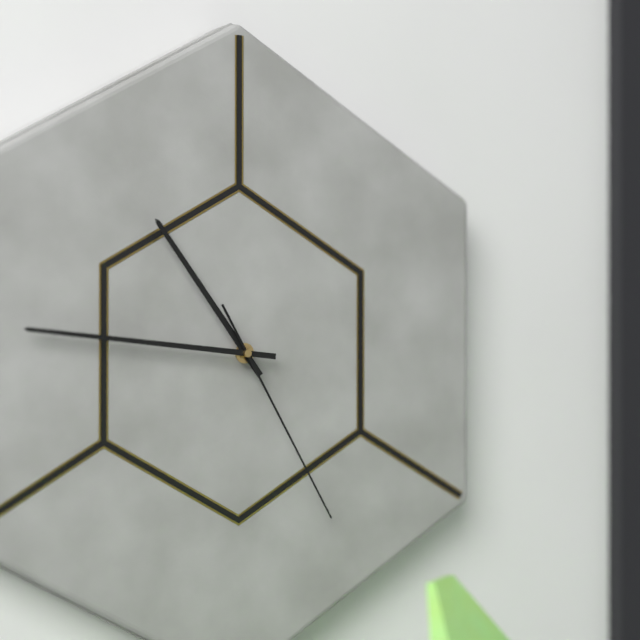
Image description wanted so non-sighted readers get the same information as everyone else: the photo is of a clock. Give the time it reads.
10:46:25
